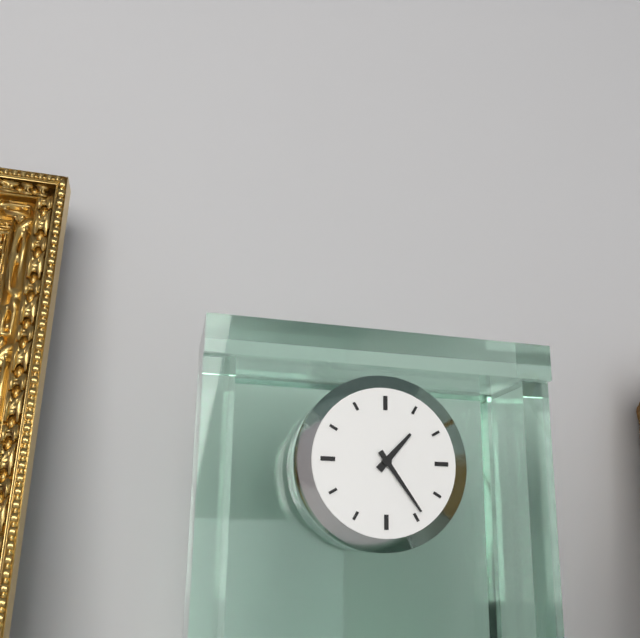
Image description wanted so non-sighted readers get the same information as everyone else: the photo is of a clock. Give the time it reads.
1:24
